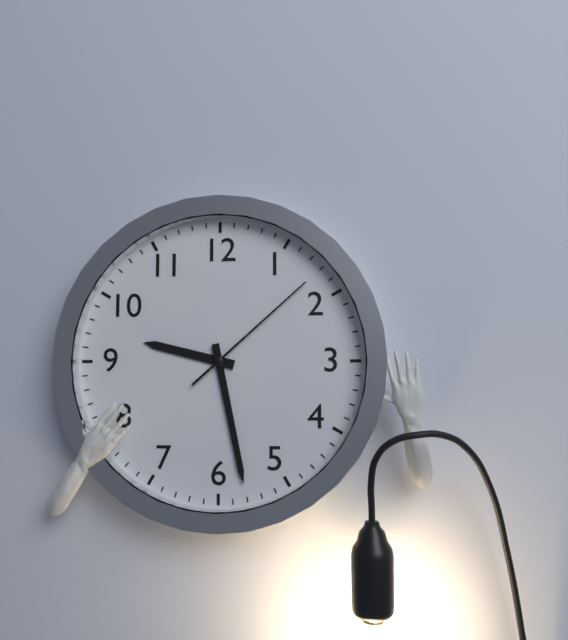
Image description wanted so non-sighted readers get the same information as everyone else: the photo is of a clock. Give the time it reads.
9:28:08
